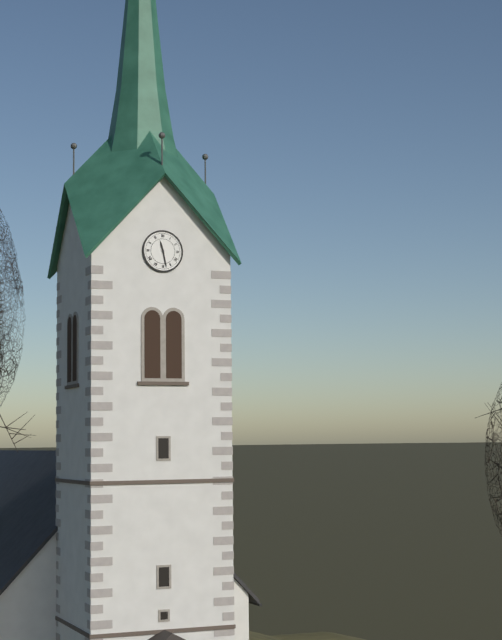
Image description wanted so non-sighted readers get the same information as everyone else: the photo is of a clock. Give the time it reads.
11:28
